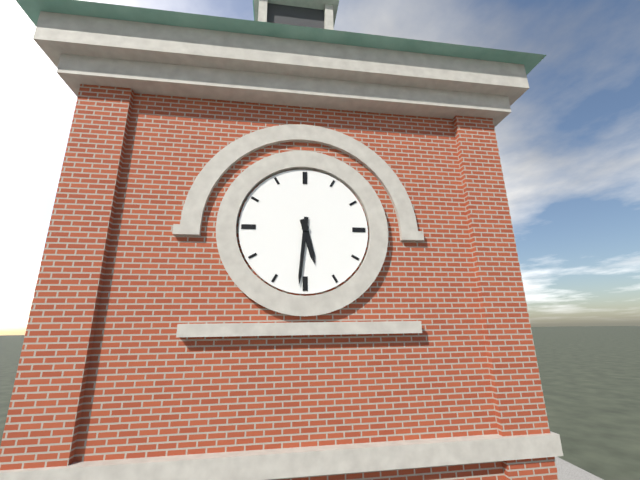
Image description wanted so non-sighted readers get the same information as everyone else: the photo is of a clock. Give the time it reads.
5:31
